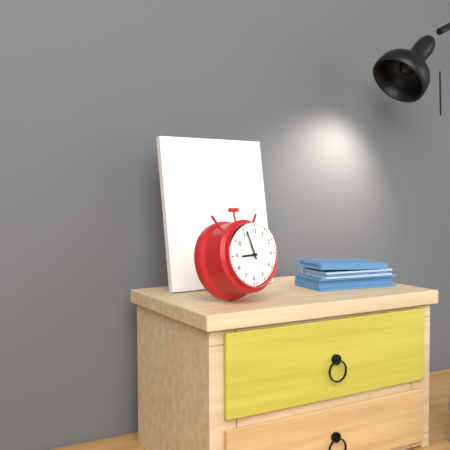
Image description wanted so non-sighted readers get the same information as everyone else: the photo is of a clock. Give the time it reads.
8:56
